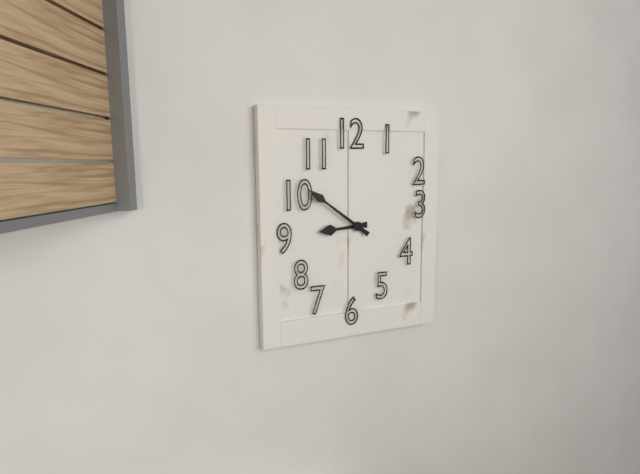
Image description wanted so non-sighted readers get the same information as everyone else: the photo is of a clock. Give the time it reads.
8:51
